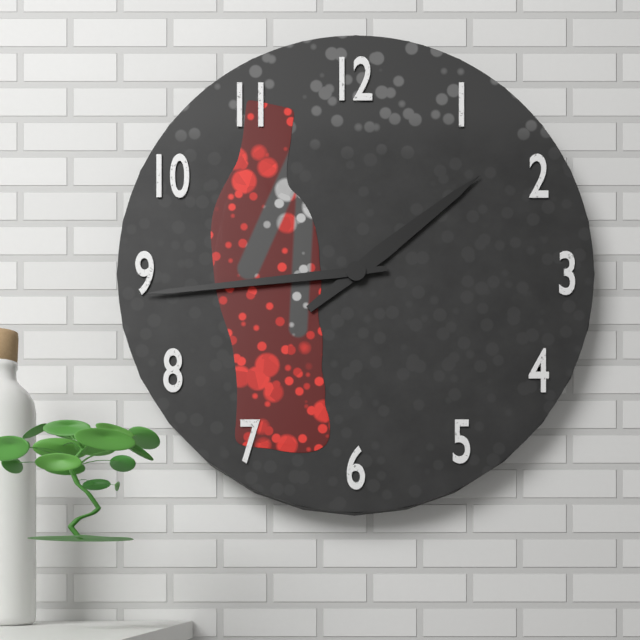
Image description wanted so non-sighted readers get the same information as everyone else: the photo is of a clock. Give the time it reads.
1:44
